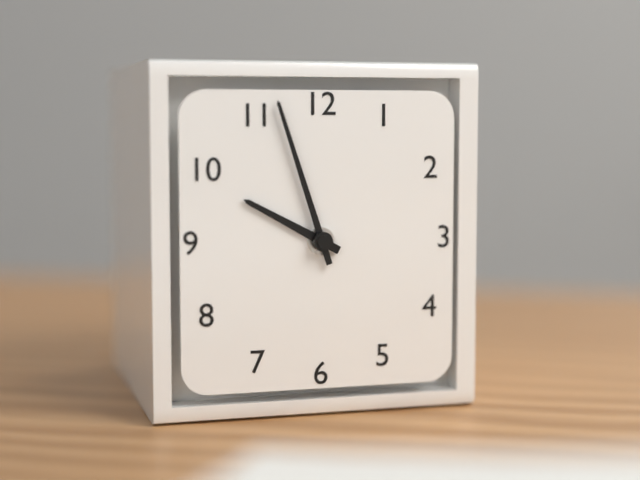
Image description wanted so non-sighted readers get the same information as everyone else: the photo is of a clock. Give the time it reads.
9:57
